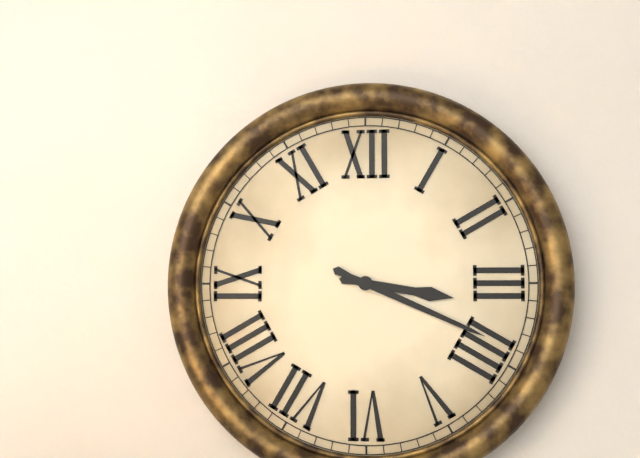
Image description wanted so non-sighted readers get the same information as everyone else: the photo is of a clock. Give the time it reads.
3:19
